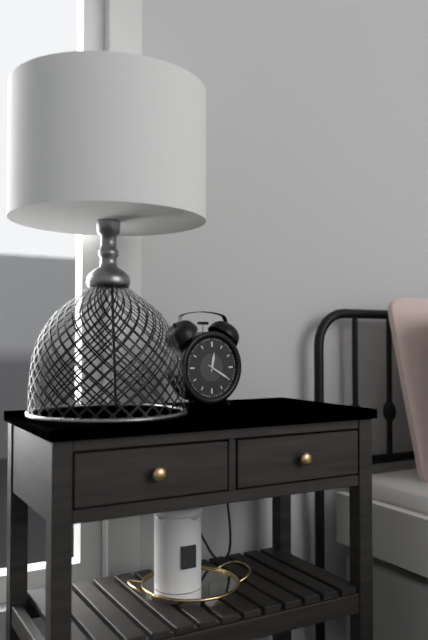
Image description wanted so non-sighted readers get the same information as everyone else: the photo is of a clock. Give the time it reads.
12:20
